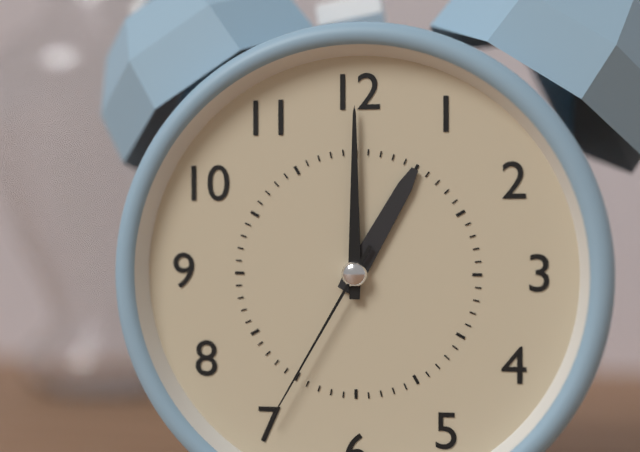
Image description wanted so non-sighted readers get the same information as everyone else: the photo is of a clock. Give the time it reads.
1:00:35
